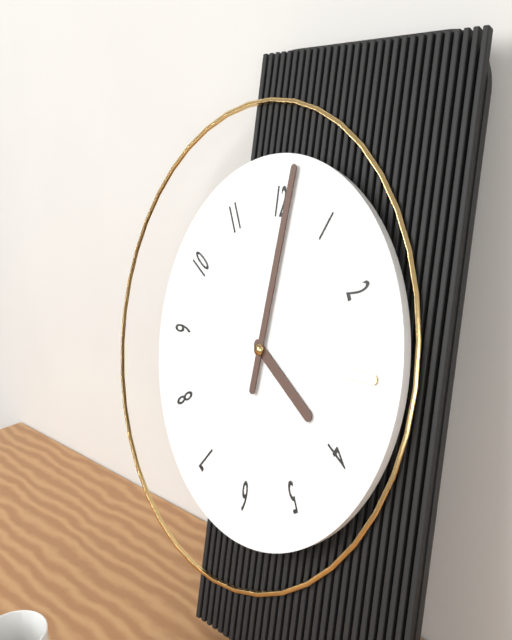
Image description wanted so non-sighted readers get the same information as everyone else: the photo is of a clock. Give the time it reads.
4:01
